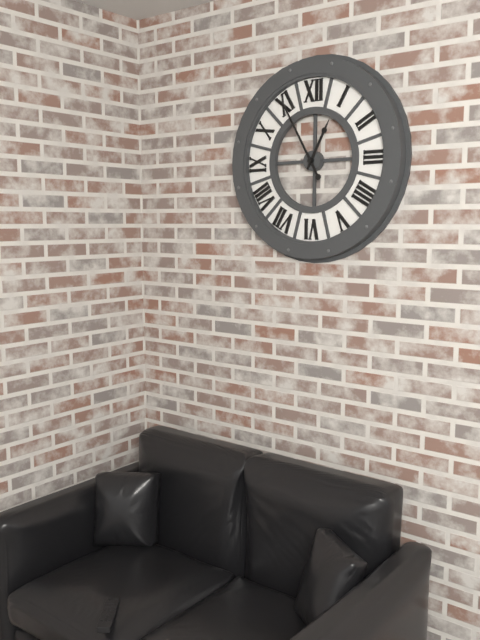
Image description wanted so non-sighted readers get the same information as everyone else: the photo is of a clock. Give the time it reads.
12:55
